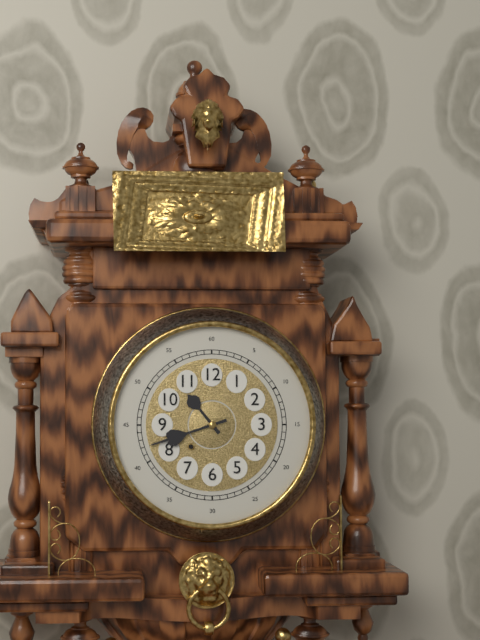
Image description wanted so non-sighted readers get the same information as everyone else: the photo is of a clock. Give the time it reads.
10:42
